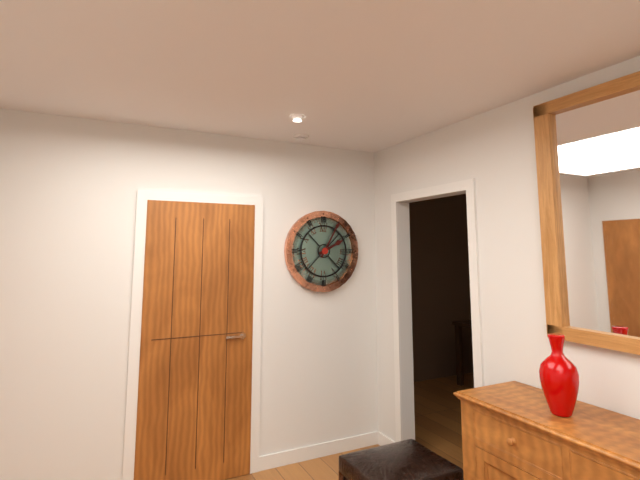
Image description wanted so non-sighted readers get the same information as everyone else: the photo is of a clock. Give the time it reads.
2:05
